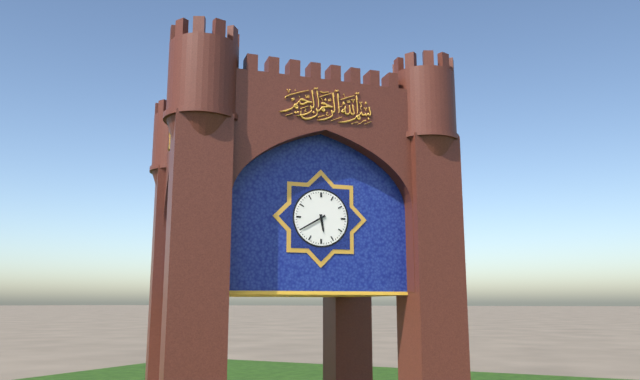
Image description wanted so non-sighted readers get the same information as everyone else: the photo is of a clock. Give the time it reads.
5:40
